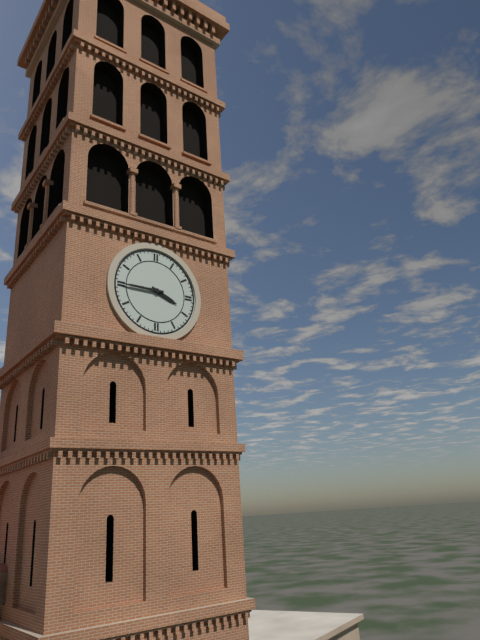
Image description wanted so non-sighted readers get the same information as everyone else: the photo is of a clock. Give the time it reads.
3:45
